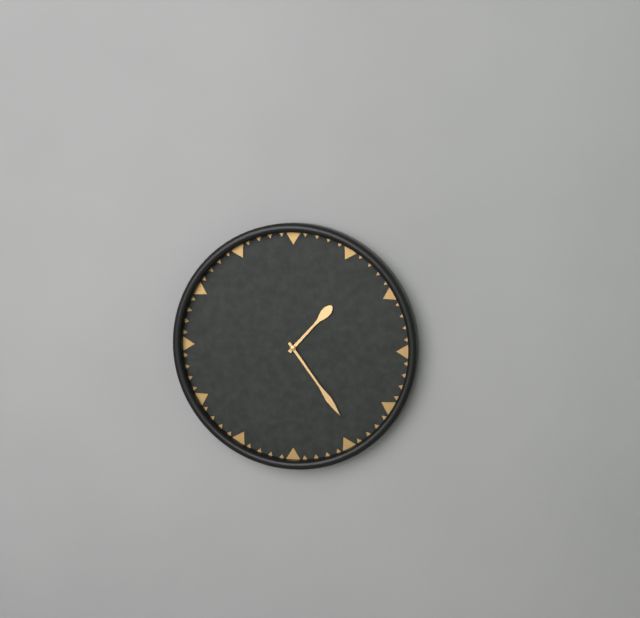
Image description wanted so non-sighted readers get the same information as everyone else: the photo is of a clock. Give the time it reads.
1:24
